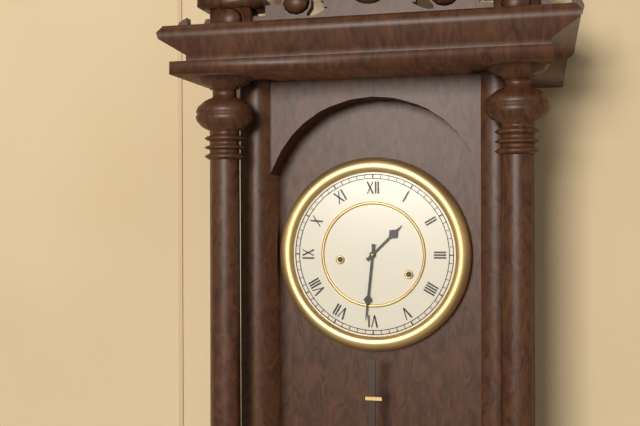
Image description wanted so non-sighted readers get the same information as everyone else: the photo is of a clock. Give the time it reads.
1:31
